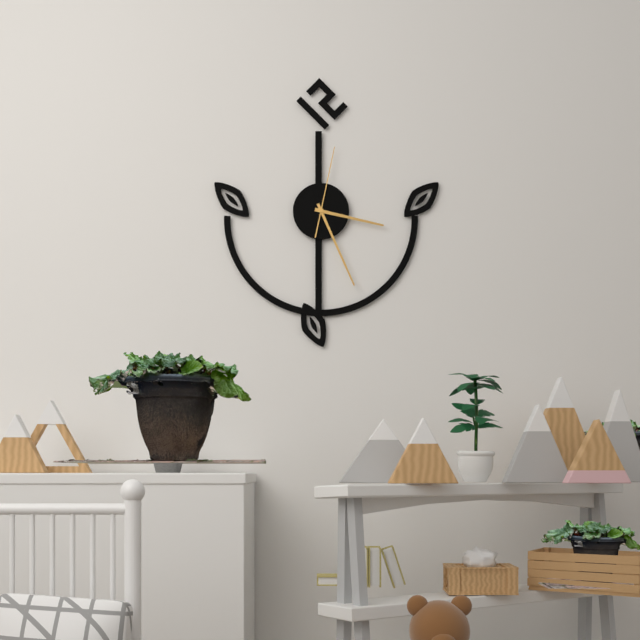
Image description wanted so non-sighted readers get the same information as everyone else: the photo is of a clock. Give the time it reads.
3:26:02
